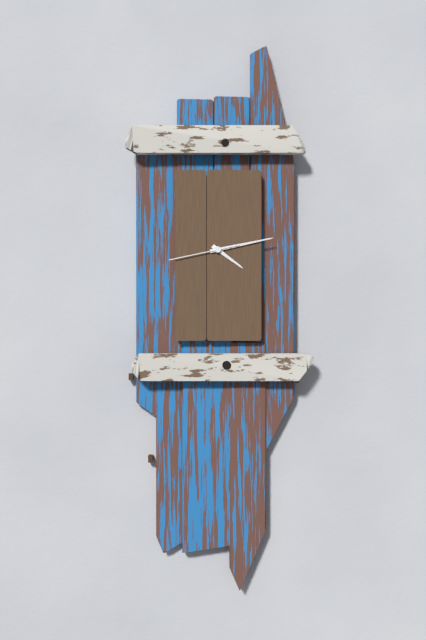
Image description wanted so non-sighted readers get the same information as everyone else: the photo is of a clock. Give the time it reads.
4:13:43
